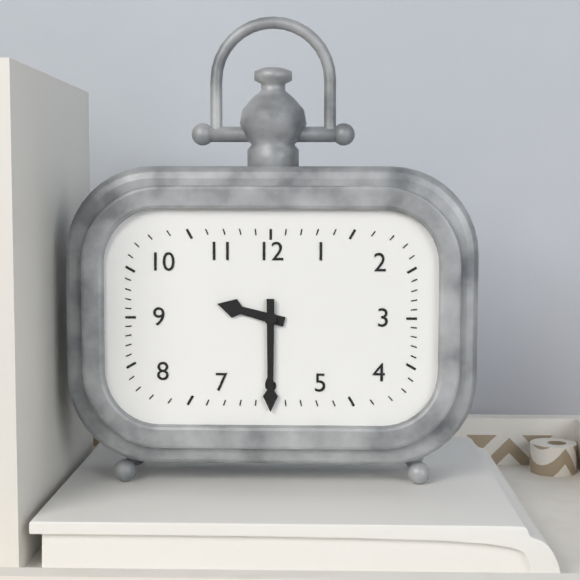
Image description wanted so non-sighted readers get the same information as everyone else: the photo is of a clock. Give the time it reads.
9:30
